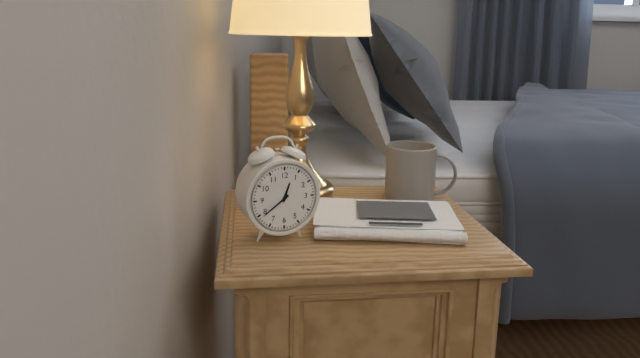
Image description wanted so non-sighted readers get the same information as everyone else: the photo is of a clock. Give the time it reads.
12:39
